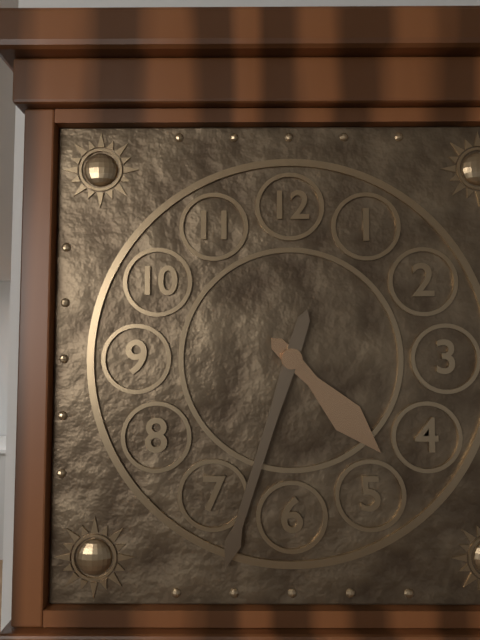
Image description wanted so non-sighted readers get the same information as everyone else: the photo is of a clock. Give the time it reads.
4:33
